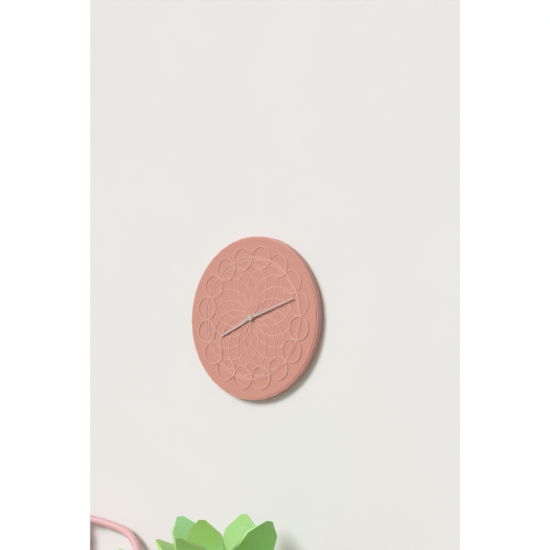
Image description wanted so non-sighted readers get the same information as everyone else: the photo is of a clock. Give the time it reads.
8:12
